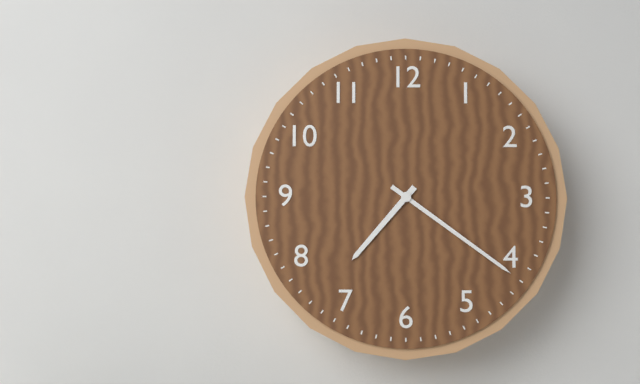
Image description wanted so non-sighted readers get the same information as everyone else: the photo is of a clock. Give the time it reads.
7:21
